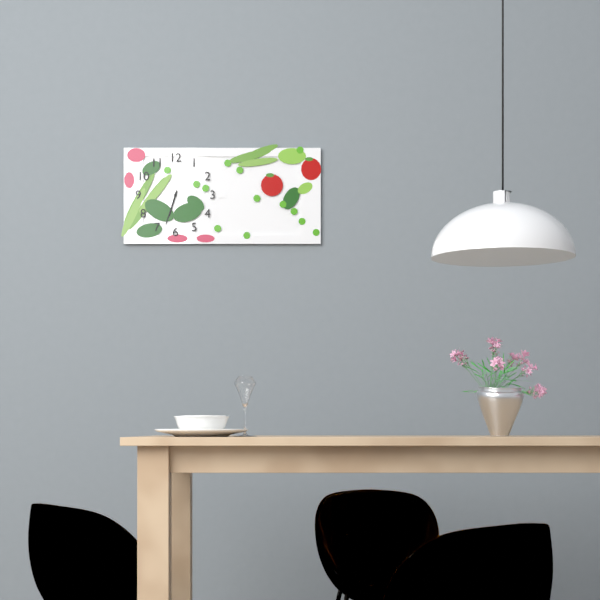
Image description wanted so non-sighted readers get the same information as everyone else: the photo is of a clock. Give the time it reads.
6:33
